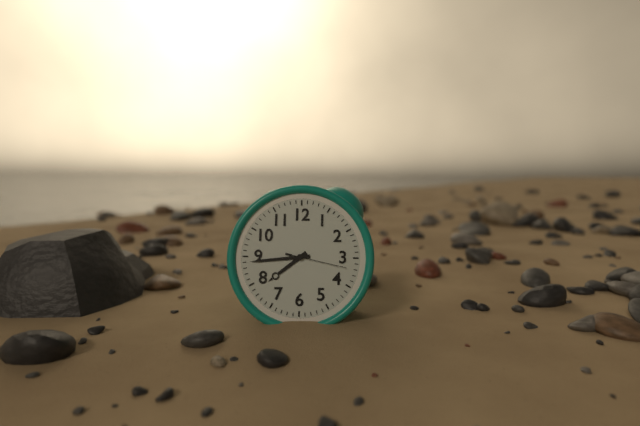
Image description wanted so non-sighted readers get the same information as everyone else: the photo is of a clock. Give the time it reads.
7:44:17
